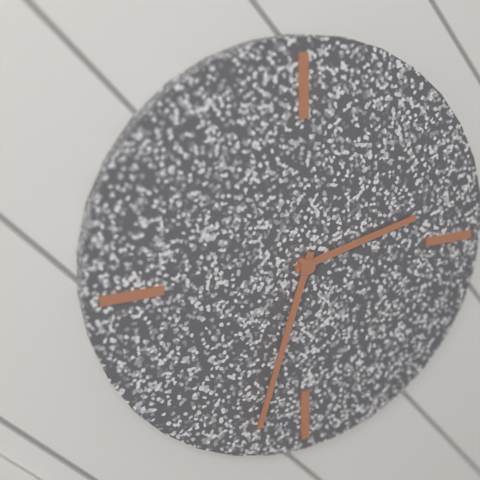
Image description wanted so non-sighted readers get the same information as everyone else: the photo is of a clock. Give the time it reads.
2:33
